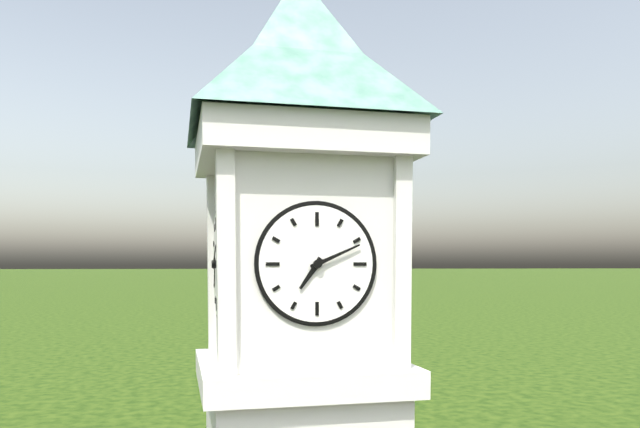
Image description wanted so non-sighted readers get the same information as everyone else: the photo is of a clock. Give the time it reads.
7:11
